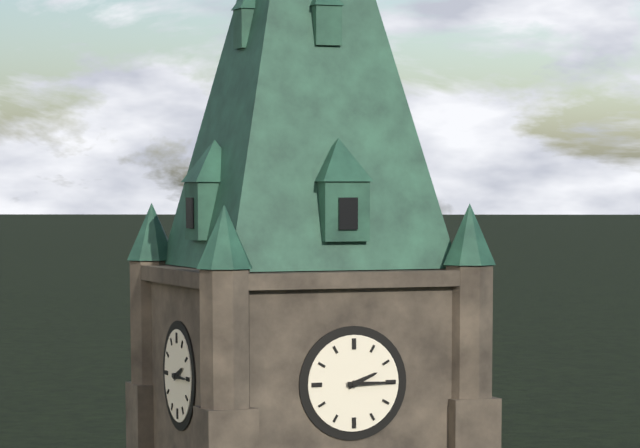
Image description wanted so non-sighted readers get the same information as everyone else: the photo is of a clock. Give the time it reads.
2:15
